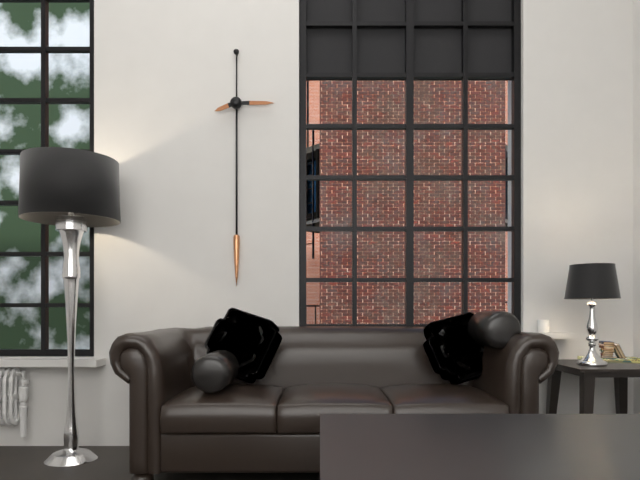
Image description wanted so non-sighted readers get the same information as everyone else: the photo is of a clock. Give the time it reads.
8:15
